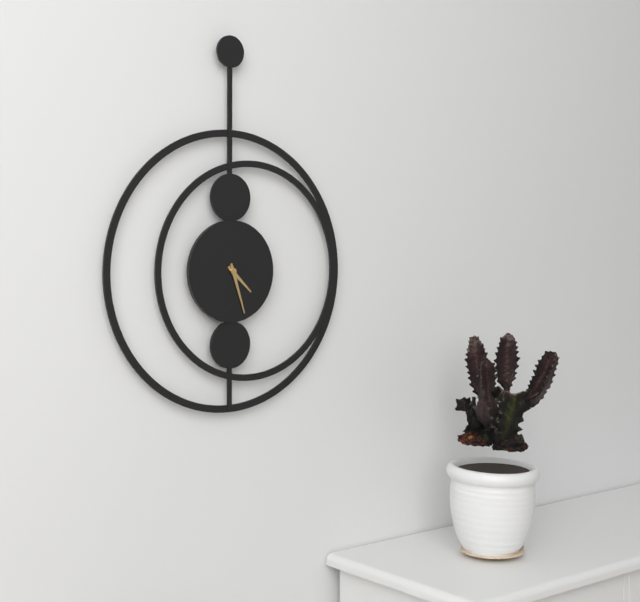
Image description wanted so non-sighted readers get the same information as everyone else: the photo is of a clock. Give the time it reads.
4:27
